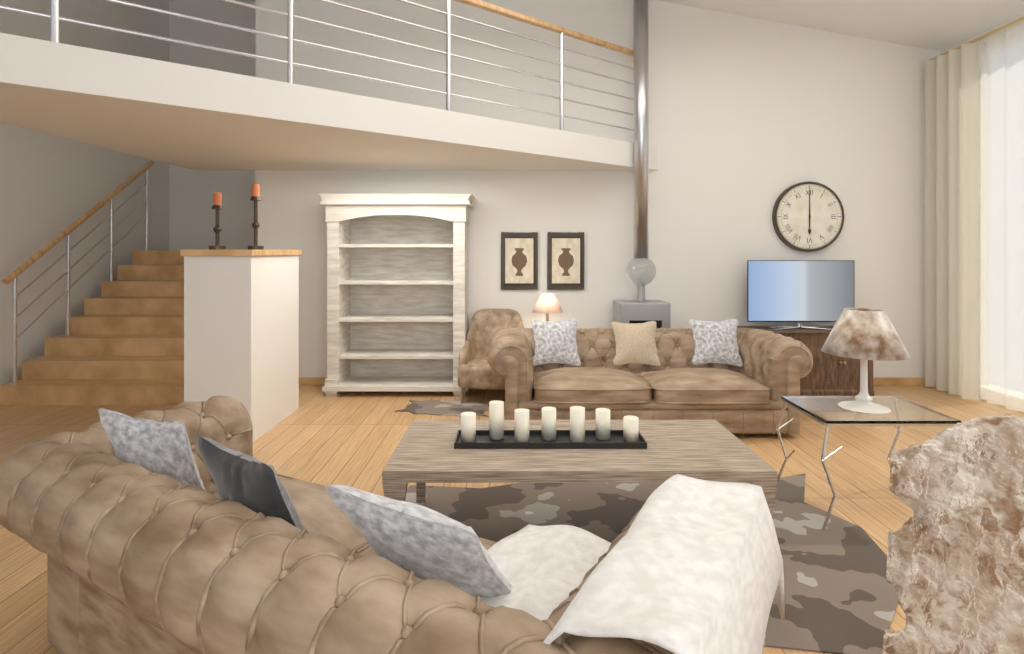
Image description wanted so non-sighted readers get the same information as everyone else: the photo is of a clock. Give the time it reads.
6:00
